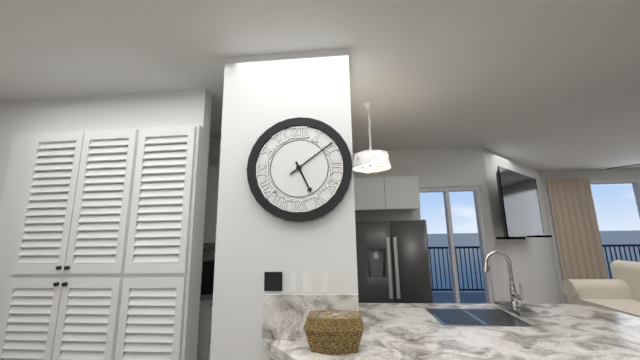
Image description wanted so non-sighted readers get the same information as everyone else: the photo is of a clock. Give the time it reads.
5:09
